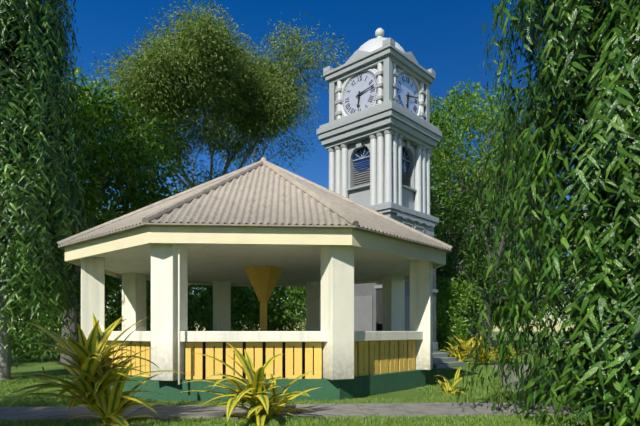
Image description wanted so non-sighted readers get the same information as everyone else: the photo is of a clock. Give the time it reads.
6:13
